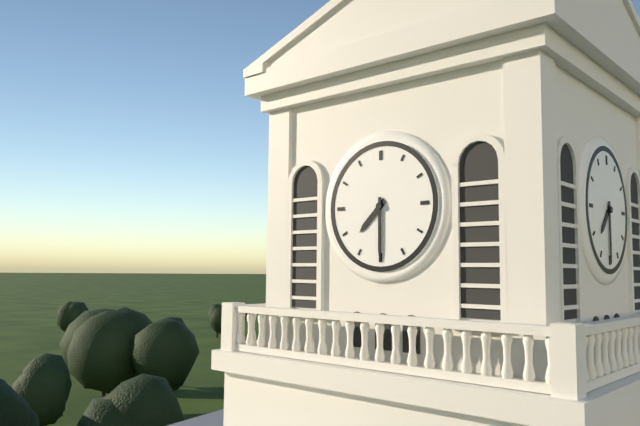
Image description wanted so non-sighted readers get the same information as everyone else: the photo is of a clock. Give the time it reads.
7:30
